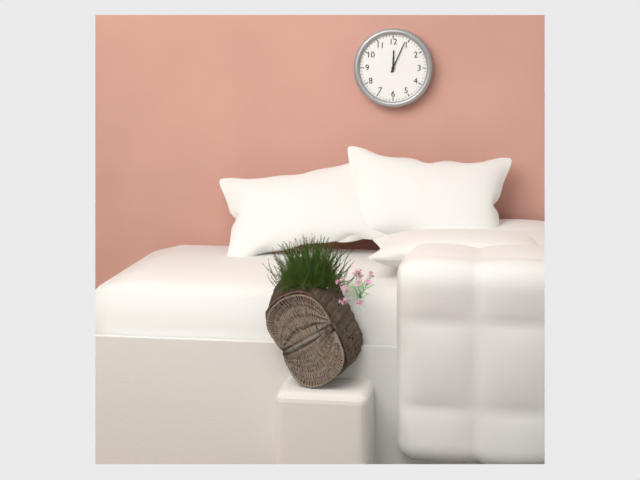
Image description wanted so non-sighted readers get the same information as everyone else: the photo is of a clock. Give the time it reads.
12:04
